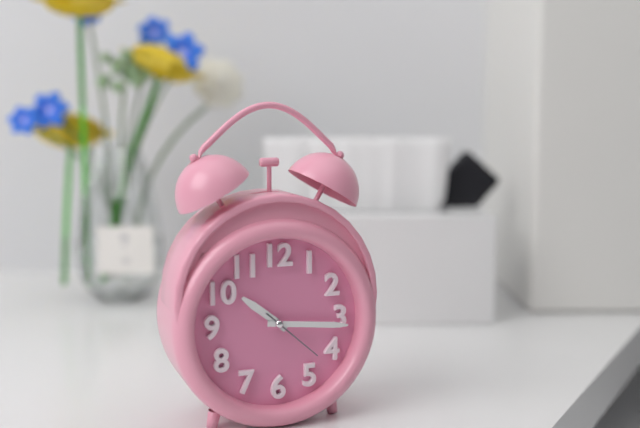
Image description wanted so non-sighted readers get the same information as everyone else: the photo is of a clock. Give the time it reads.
10:16:22
